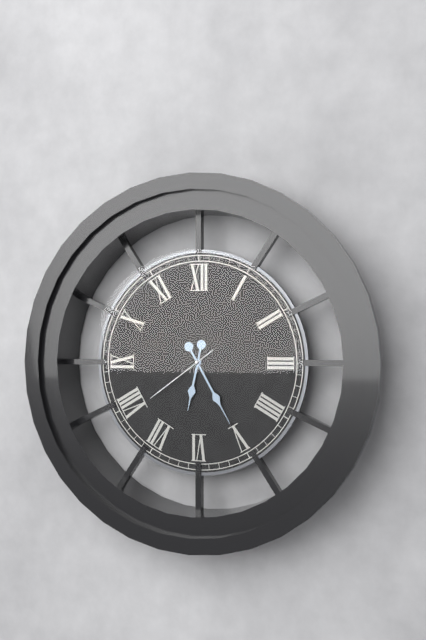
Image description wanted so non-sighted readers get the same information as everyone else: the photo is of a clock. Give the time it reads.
6:25:39
